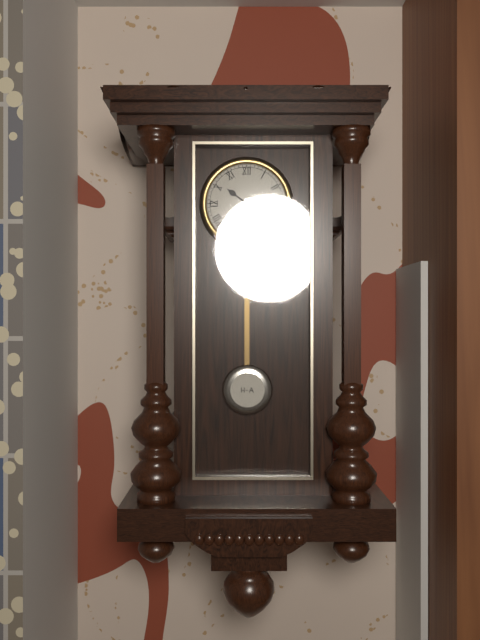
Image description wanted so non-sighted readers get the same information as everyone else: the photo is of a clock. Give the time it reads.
10:14
